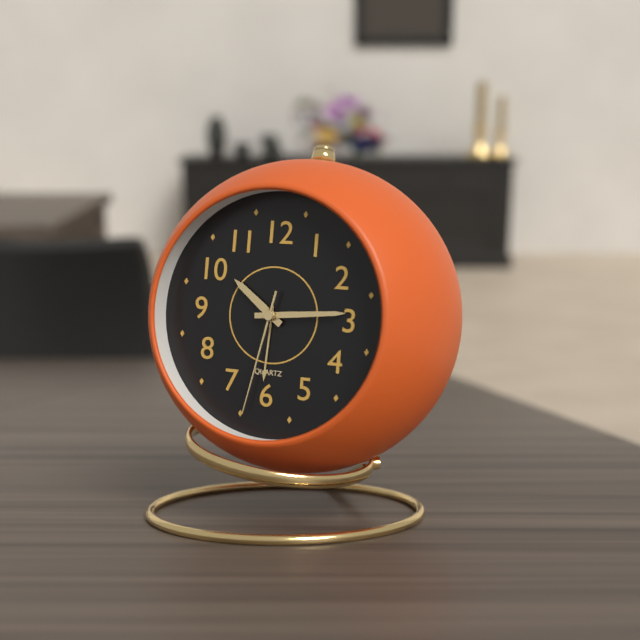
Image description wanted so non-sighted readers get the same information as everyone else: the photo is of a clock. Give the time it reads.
10:14:32
